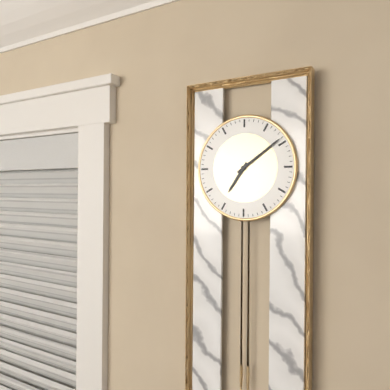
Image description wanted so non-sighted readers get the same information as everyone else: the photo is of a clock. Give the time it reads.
7:09
